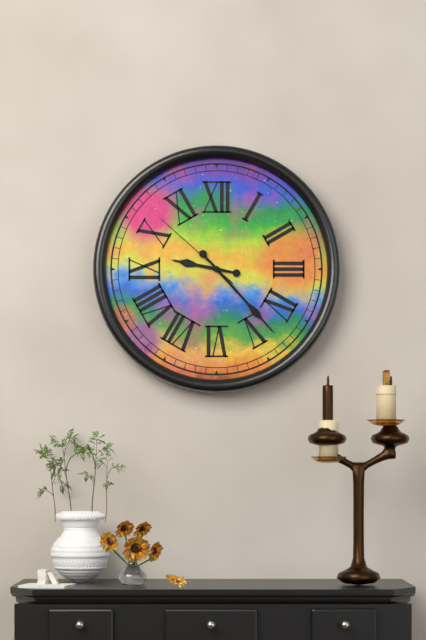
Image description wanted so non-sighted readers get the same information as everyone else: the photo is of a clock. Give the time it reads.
9:23:52
